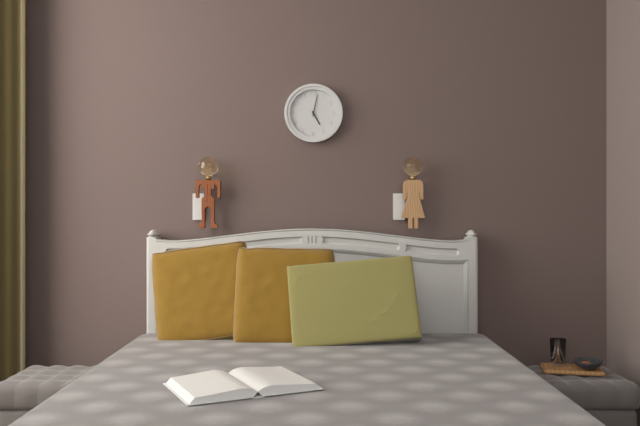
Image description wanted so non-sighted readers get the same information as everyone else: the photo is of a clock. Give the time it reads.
5:02
